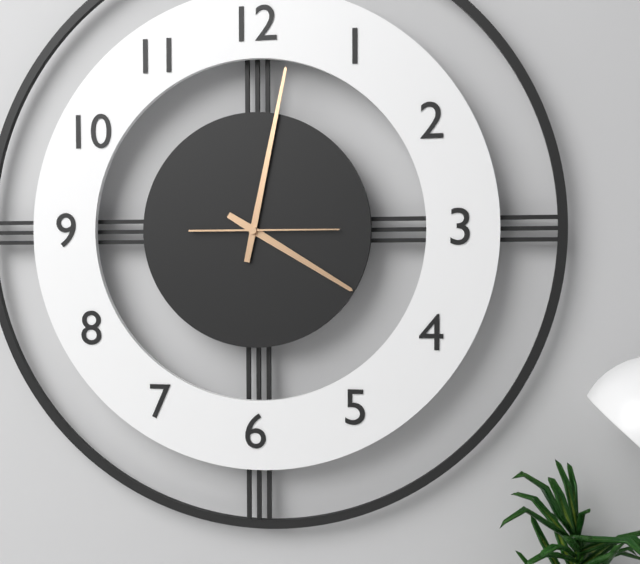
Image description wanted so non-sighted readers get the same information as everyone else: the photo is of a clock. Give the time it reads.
4:02:15
